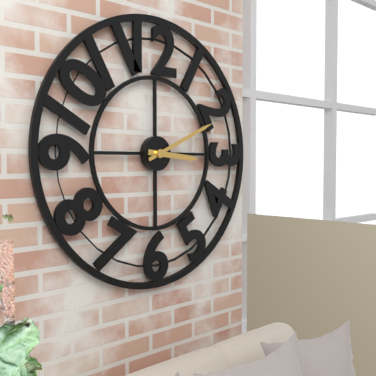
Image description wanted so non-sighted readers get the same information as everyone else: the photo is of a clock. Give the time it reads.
3:11
